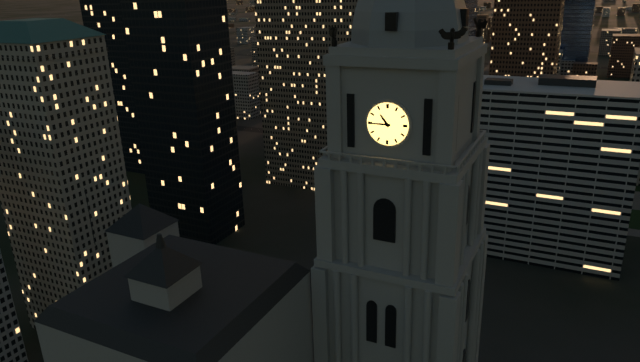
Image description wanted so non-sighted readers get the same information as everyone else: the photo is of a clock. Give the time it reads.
10:45
